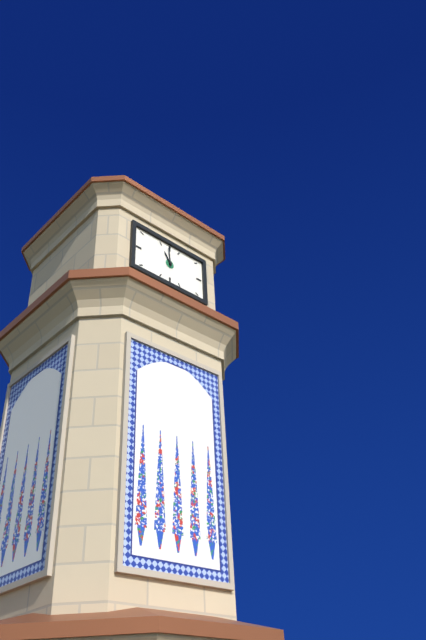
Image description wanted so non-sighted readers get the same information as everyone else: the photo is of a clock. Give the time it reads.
10:59
